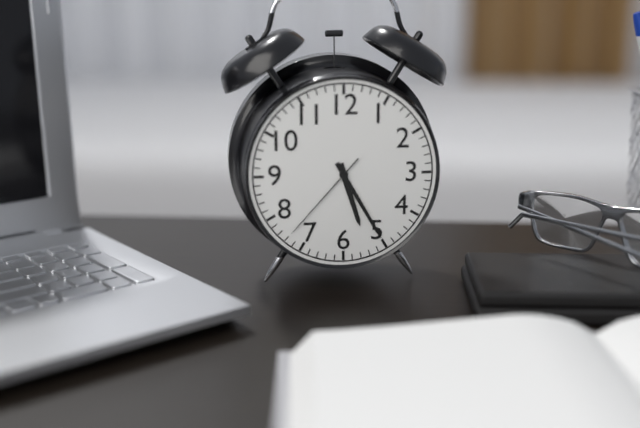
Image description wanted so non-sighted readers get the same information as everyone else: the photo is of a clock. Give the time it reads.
5:25:37
